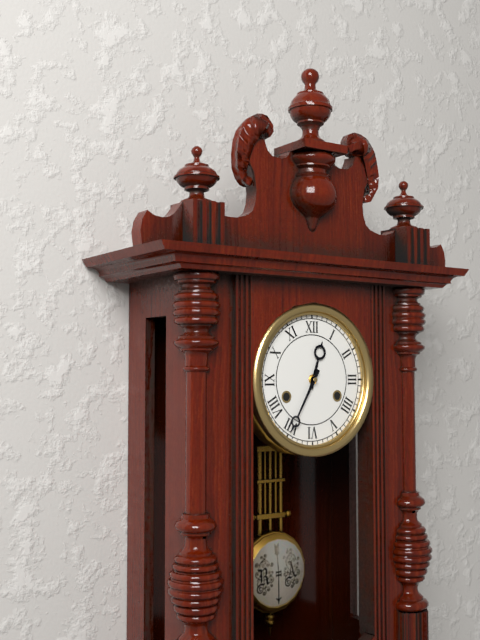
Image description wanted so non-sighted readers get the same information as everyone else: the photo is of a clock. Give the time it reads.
12:35
